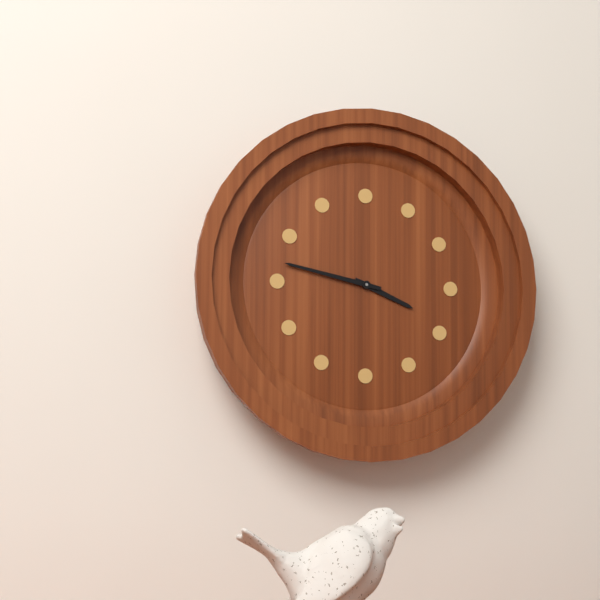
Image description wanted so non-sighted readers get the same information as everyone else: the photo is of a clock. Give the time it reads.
3:47
